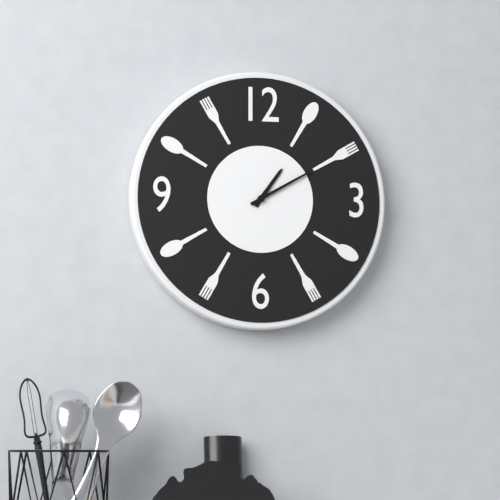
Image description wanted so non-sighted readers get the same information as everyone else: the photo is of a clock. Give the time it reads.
1:10
